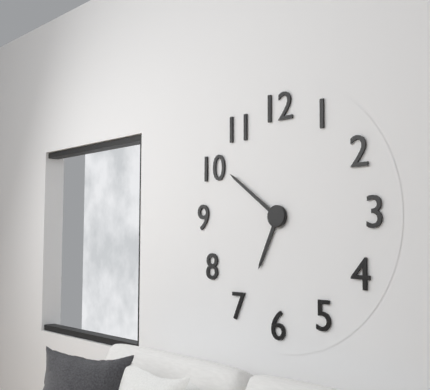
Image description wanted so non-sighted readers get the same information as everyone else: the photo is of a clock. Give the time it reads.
6:51
